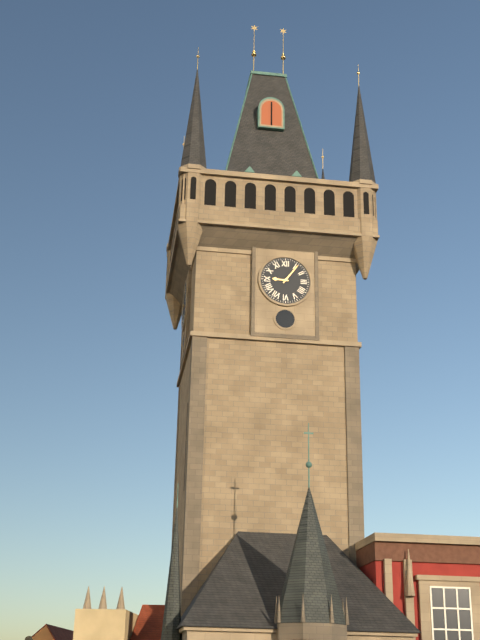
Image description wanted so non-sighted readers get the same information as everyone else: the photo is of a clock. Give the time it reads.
9:06
